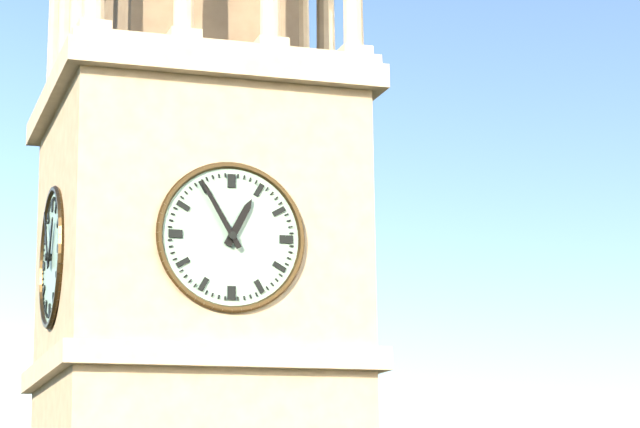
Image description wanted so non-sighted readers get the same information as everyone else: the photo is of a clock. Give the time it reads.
12:55
